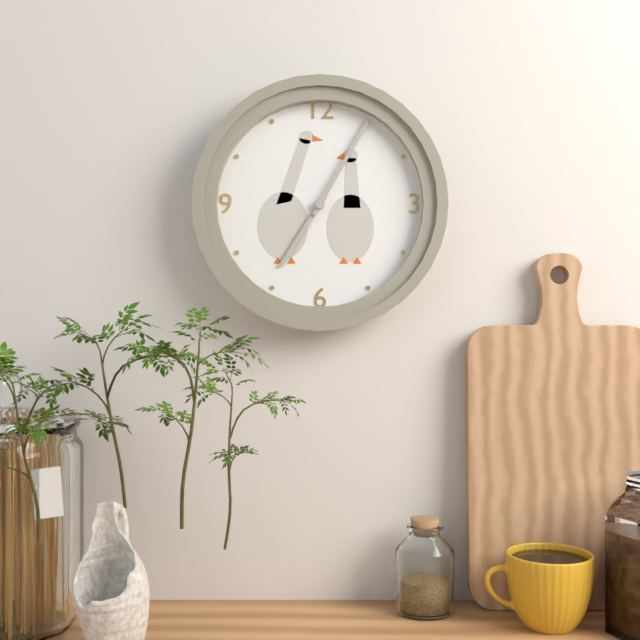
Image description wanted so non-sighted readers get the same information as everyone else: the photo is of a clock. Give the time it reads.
7:05
